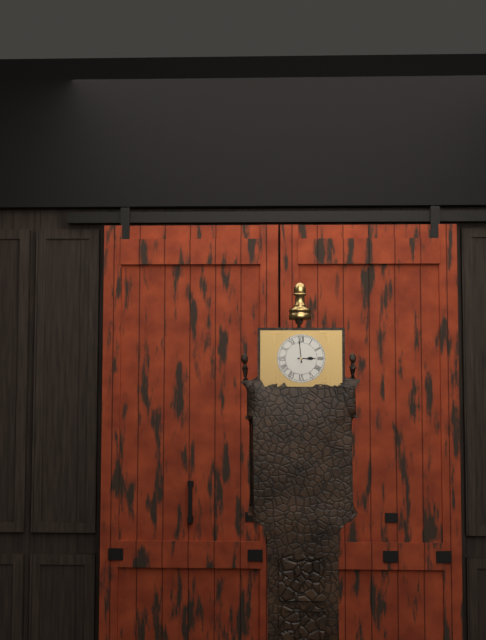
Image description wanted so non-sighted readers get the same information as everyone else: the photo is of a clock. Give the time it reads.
2:59
